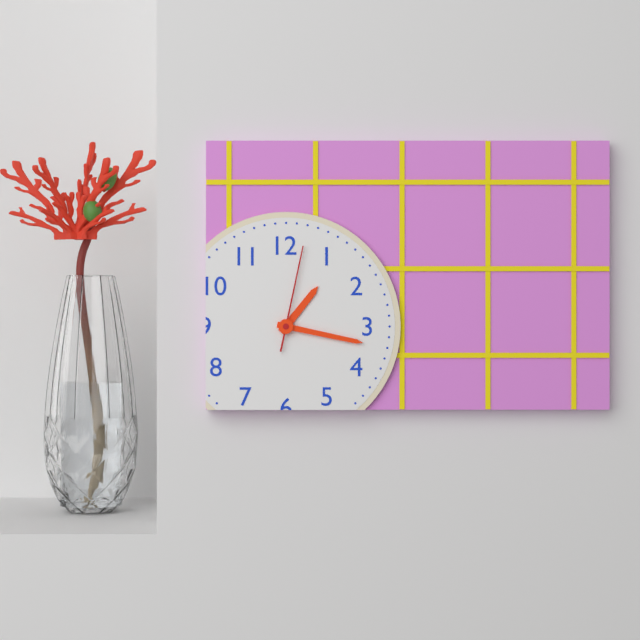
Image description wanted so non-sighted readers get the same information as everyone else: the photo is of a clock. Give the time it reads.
1:17:02
